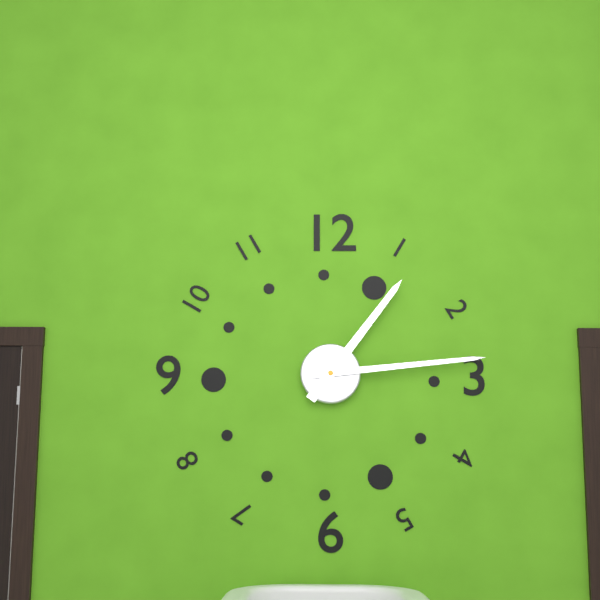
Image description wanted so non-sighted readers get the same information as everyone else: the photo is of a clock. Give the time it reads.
1:14
